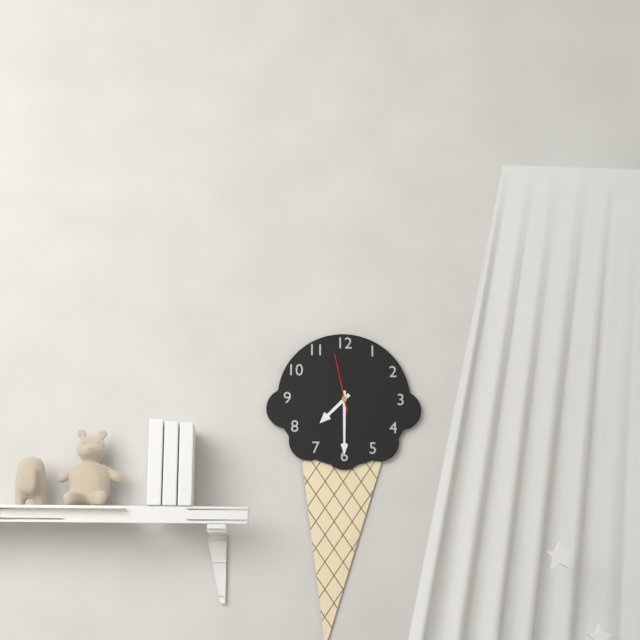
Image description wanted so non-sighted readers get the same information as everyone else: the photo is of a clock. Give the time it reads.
7:30:58
